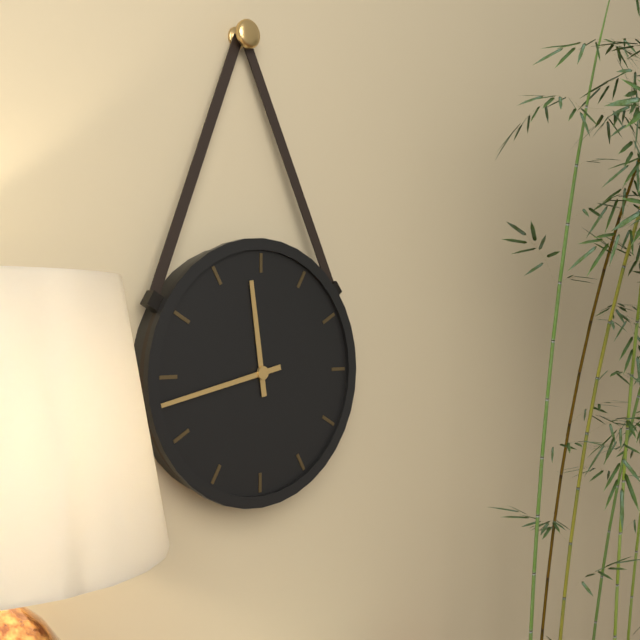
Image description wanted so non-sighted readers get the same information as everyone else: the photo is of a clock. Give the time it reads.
11:43
